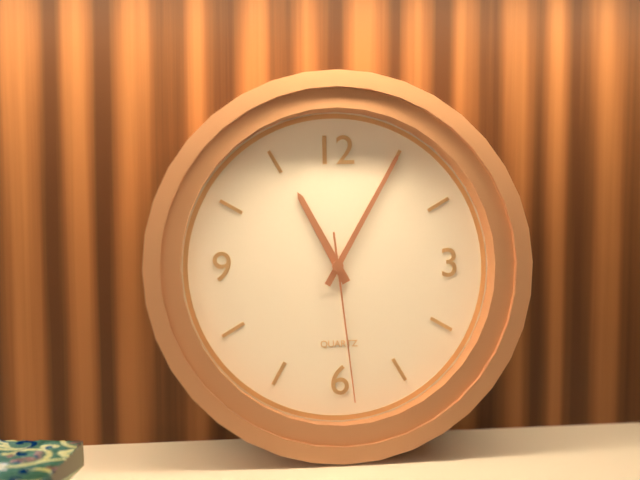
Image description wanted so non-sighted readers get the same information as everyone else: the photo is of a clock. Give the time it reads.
11:05:29
